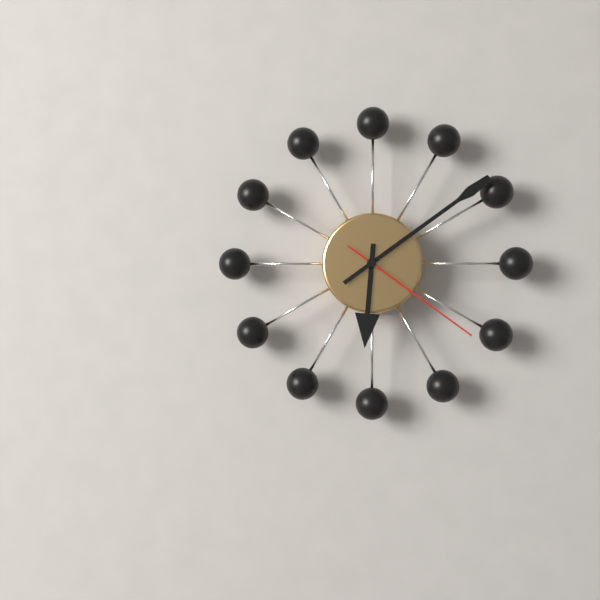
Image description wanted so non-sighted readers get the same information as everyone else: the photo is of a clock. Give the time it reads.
6:09:21
